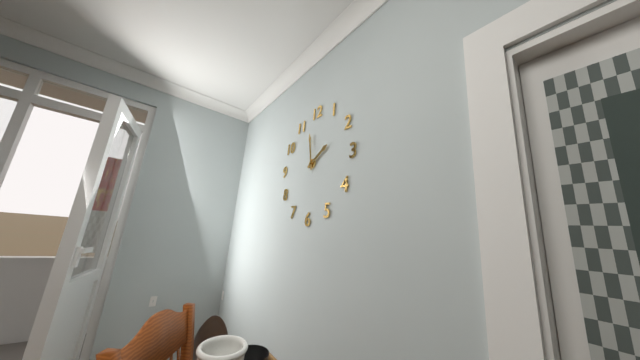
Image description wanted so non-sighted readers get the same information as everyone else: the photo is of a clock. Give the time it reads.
1:58
